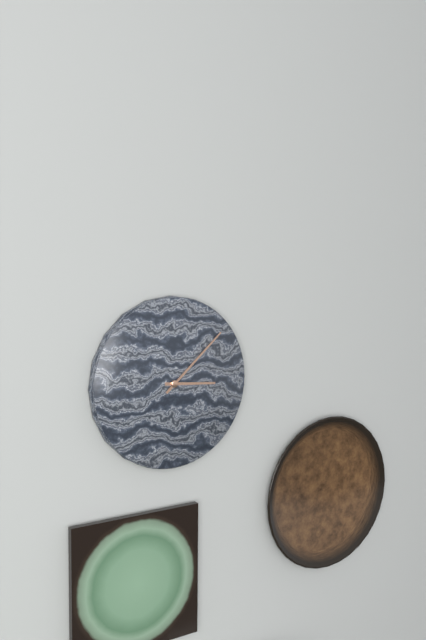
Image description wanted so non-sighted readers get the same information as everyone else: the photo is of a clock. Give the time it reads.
3:08
